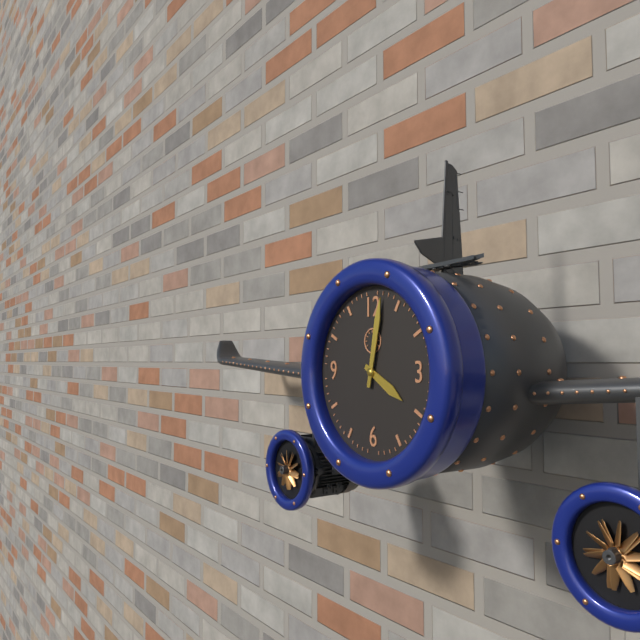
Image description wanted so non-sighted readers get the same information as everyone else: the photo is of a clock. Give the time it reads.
4:02
